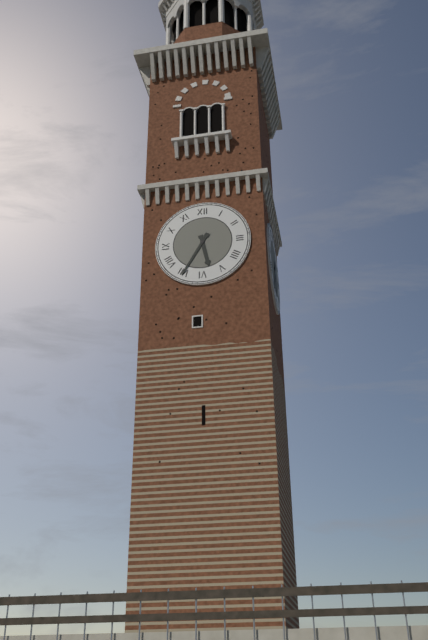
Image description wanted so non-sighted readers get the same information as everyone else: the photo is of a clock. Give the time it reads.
5:35
